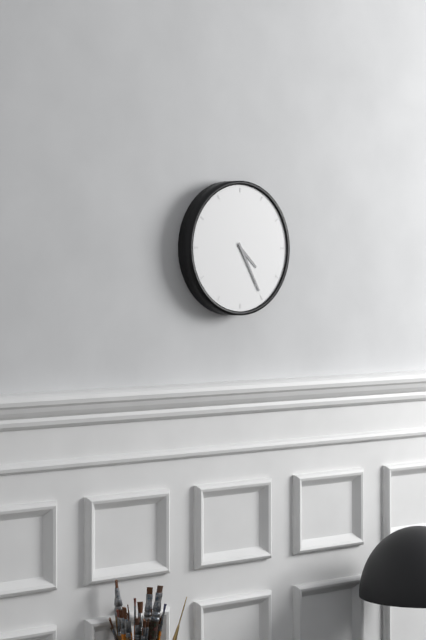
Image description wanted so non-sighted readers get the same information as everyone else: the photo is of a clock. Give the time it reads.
4:25
